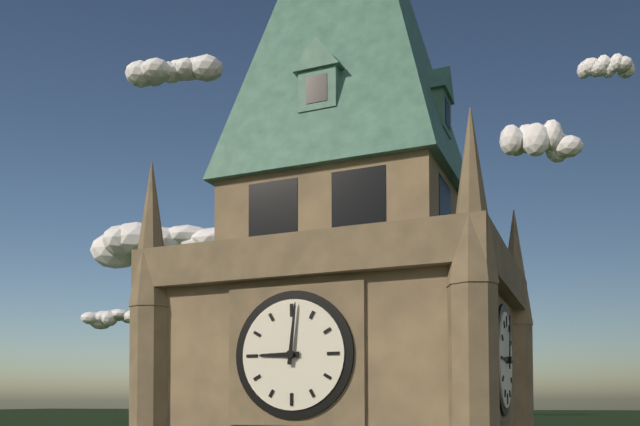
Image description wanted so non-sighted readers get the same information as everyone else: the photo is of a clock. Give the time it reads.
9:01
